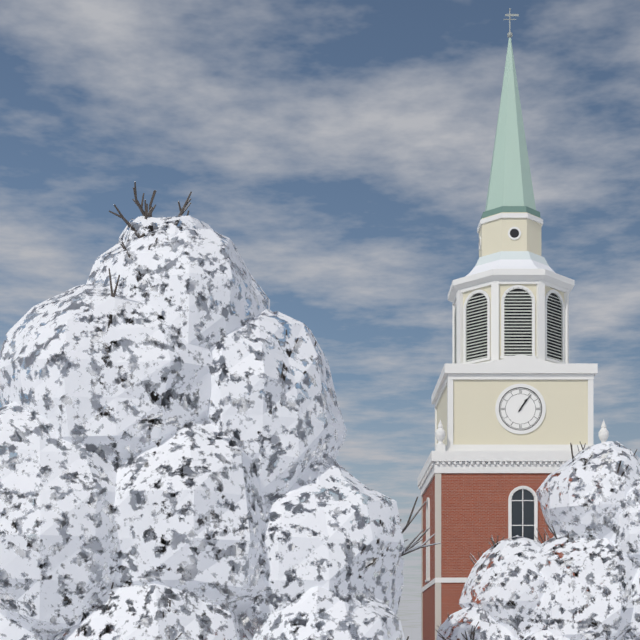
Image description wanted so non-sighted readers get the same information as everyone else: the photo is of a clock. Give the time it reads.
1:06
